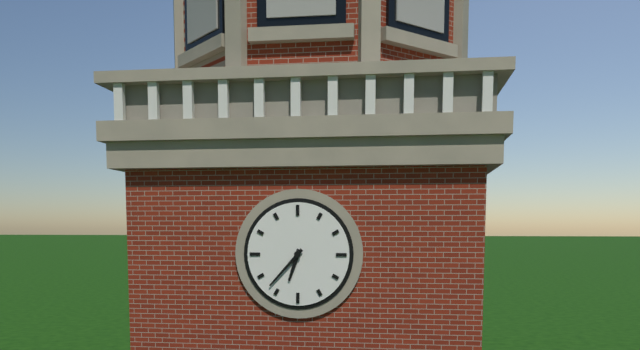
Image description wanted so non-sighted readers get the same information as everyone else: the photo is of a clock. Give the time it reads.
6:37
